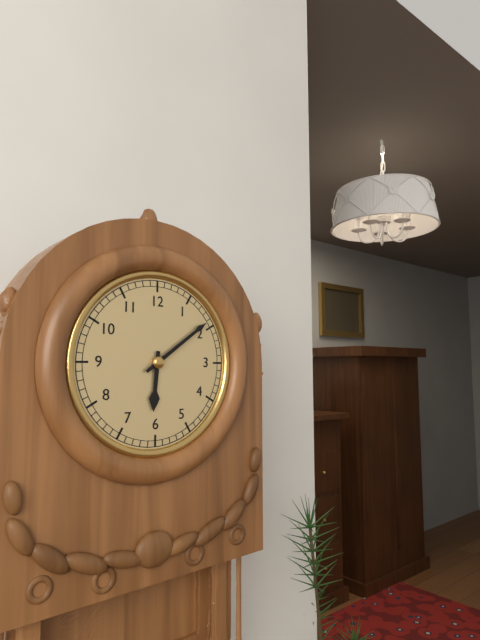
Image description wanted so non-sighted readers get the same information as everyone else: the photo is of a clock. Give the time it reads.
6:09
